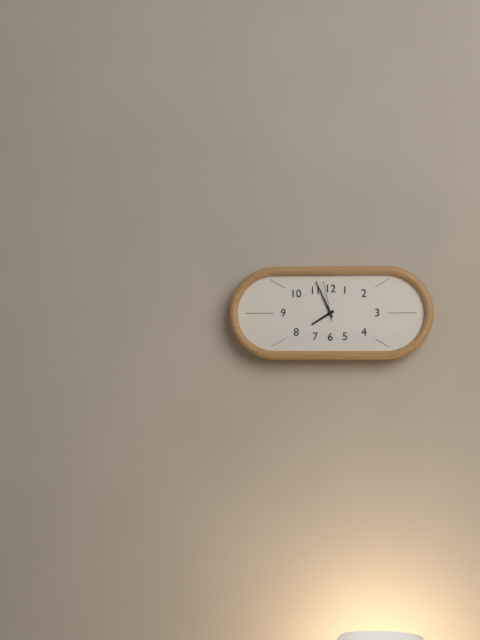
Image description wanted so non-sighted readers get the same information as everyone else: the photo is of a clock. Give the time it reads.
7:56
